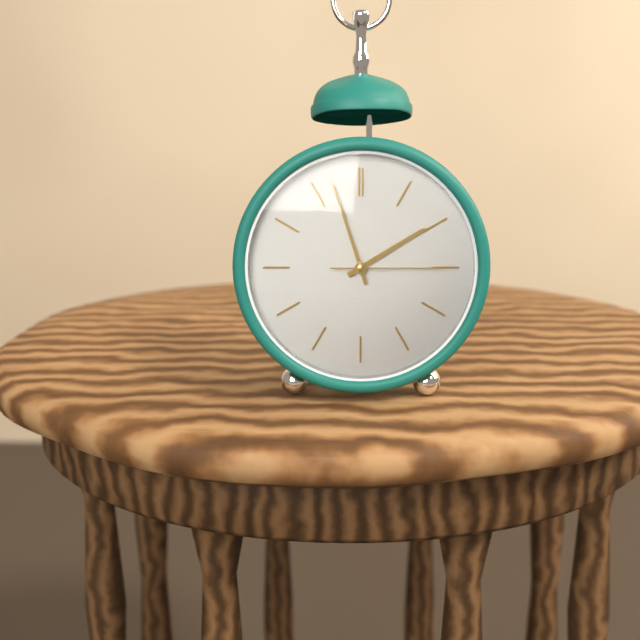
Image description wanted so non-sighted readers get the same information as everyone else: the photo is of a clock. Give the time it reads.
1:57:15
